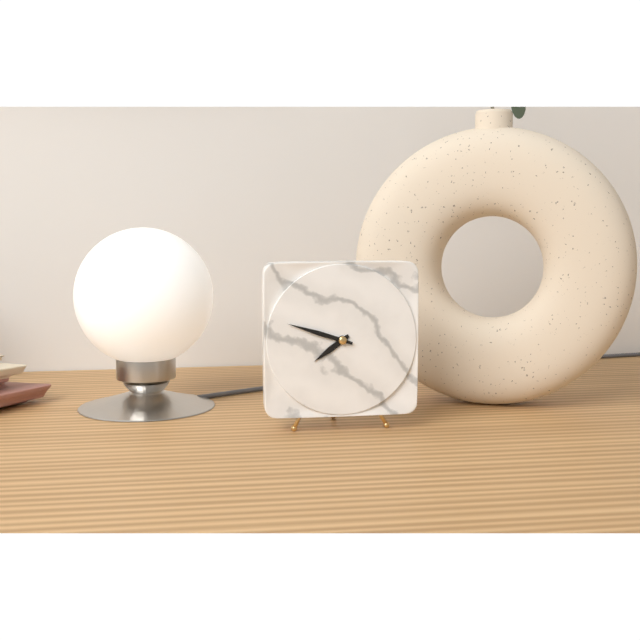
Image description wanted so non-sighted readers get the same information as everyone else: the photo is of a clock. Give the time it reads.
7:48
